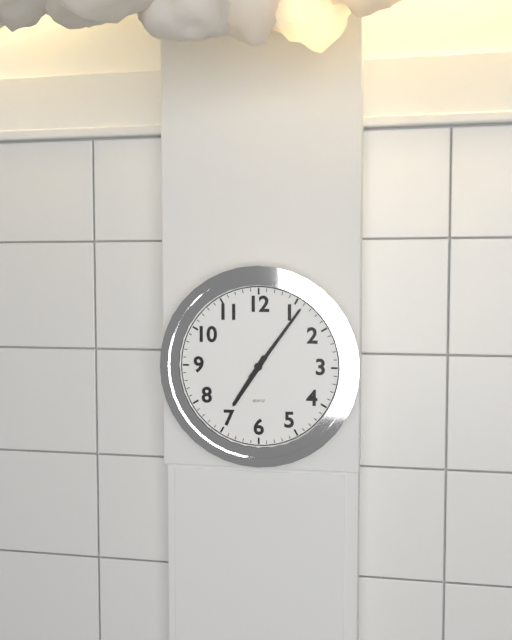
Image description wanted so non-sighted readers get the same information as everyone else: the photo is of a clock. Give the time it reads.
7:06
